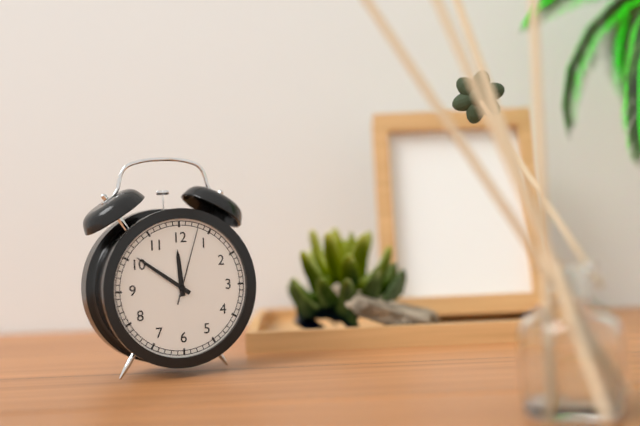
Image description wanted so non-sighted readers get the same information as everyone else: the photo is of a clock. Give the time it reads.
11:51:03
